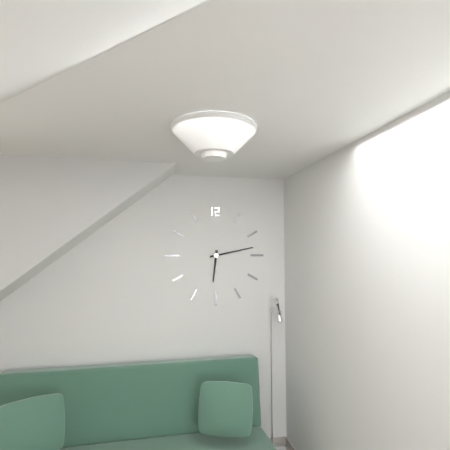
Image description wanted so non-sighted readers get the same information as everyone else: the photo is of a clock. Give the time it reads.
6:13
